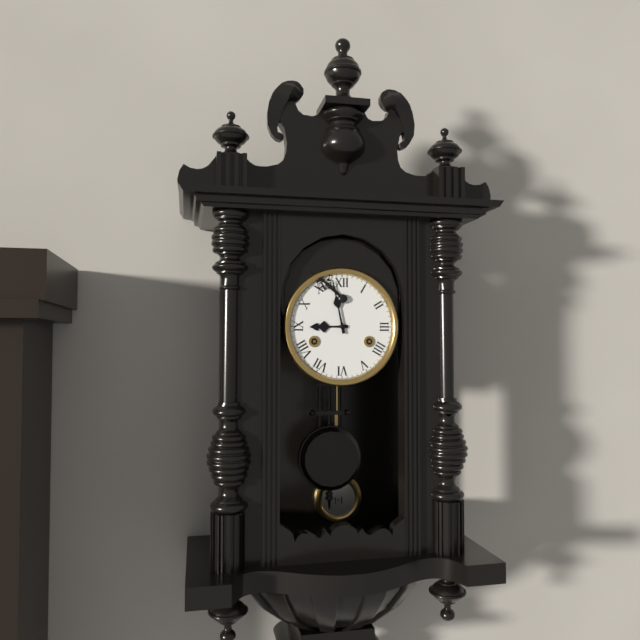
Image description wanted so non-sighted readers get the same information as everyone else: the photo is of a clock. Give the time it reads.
8:58
